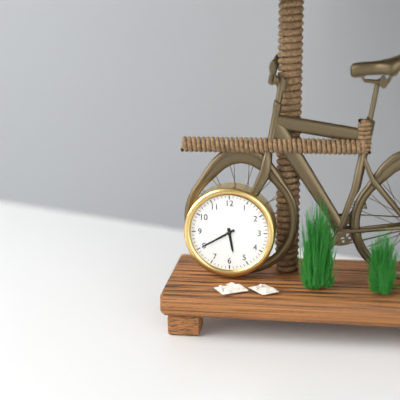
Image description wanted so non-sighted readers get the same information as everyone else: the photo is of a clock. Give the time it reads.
5:40
